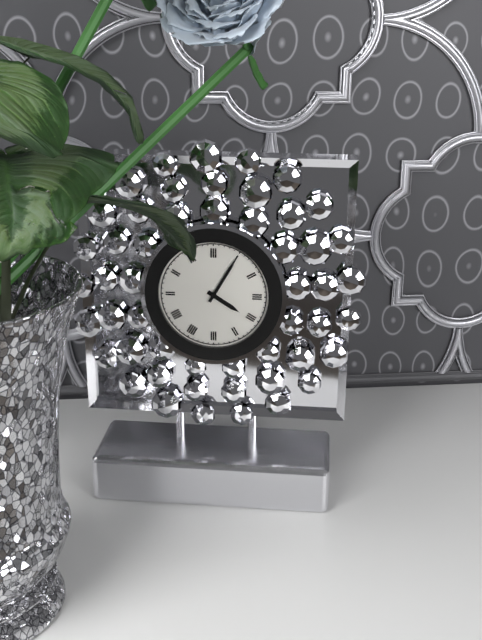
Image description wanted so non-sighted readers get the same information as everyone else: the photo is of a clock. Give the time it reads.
4:05
